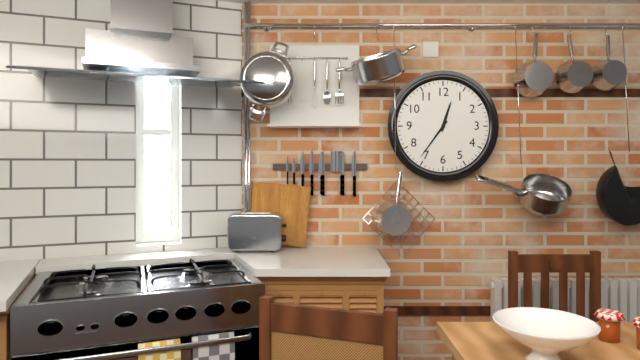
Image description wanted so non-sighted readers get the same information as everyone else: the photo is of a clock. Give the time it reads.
12:36
